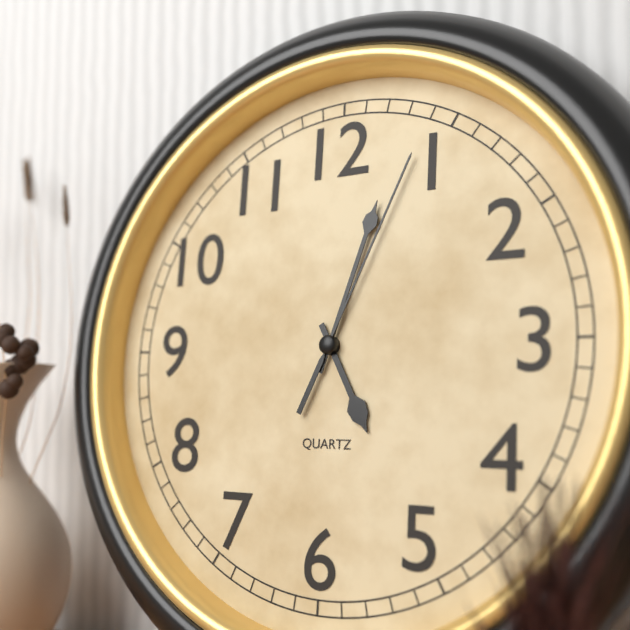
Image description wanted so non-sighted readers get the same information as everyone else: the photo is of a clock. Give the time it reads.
5:03:04
